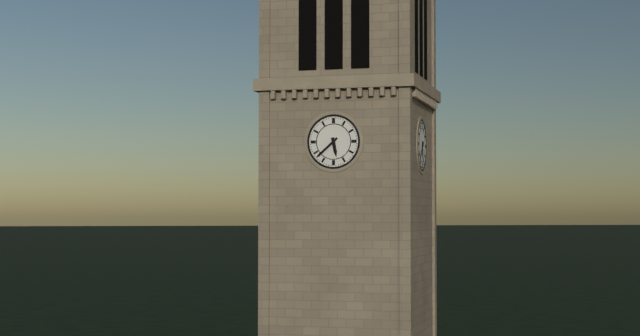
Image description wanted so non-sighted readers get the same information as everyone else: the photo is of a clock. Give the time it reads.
5:38
